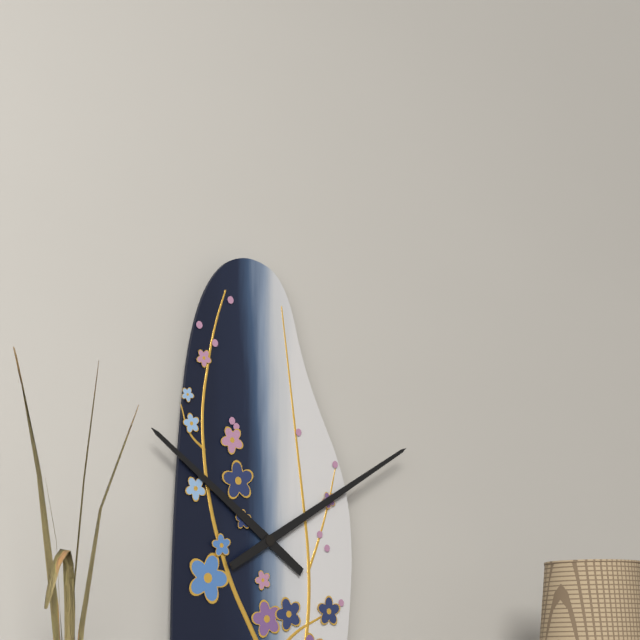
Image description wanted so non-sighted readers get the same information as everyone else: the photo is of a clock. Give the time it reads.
10:10
